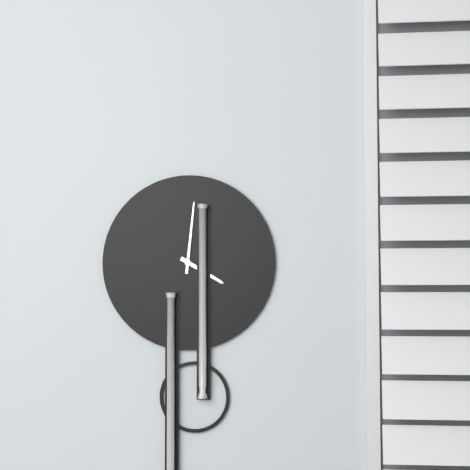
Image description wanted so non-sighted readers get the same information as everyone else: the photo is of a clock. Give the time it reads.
4:01
